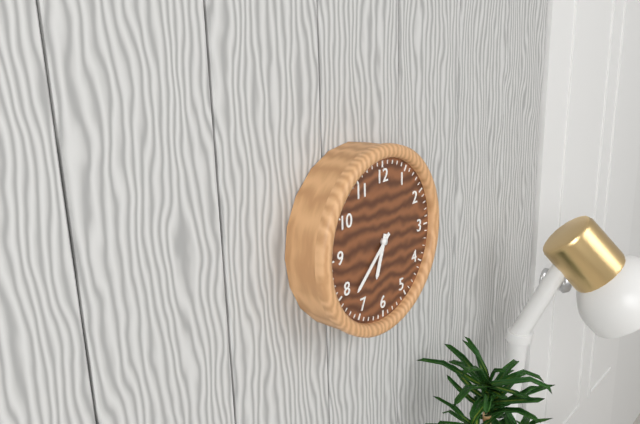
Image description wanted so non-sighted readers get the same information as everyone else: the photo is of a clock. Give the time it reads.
6:38
